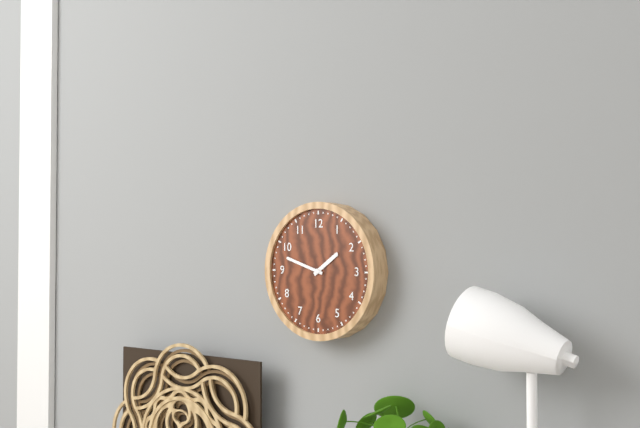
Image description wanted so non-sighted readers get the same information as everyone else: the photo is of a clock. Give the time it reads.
1:48
